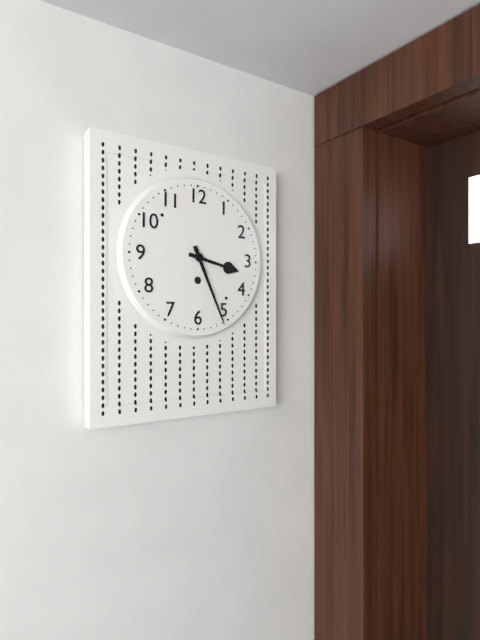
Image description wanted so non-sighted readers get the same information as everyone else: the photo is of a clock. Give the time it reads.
3:26
